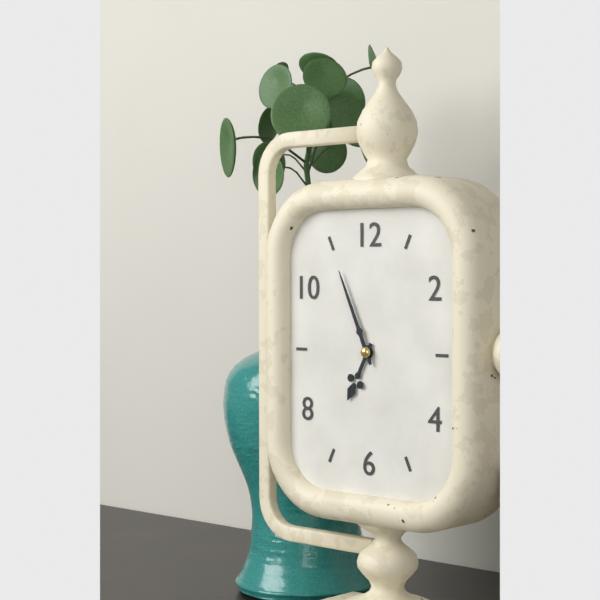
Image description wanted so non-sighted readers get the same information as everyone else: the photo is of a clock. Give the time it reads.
6:56
